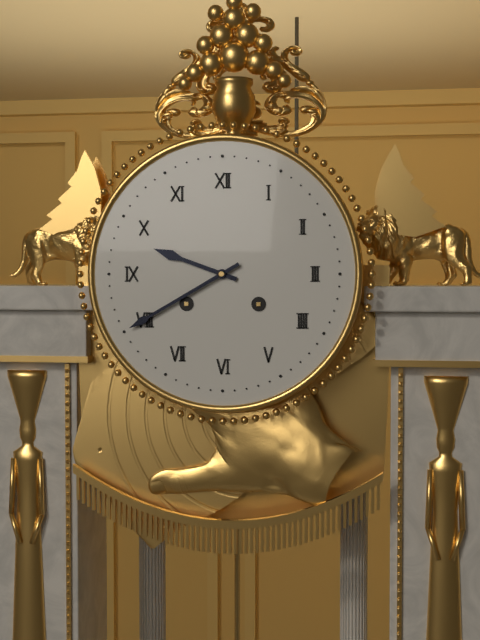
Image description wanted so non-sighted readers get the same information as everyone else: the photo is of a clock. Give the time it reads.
9:40
